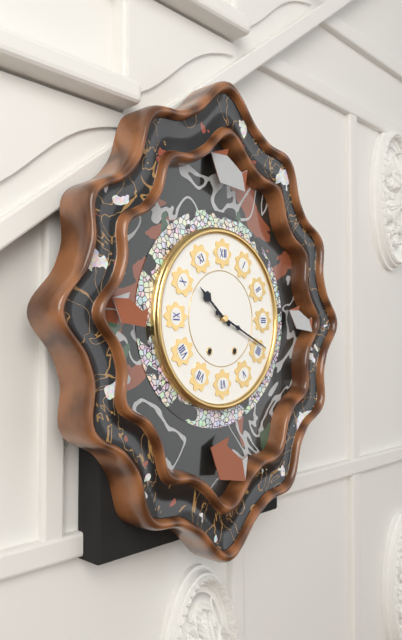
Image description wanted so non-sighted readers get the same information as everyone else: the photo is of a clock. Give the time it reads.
10:19
